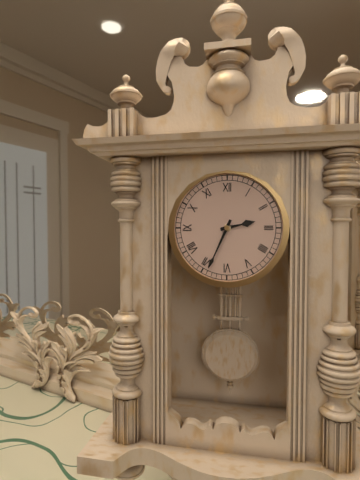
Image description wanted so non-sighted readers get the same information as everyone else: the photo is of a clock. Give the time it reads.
2:34
